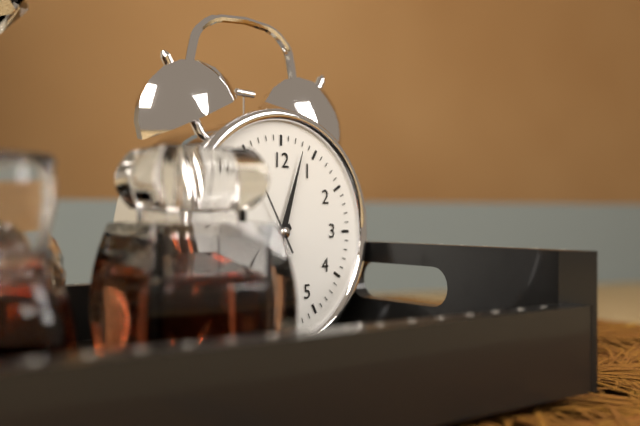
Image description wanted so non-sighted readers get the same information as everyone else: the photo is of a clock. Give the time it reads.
8:03:55
